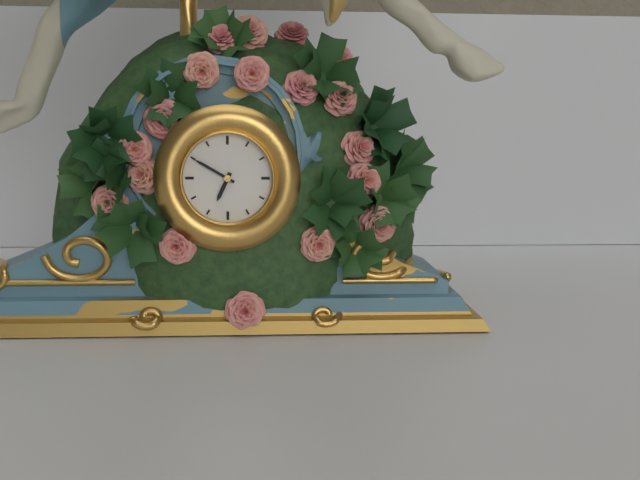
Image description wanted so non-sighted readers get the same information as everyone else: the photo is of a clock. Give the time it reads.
6:50
